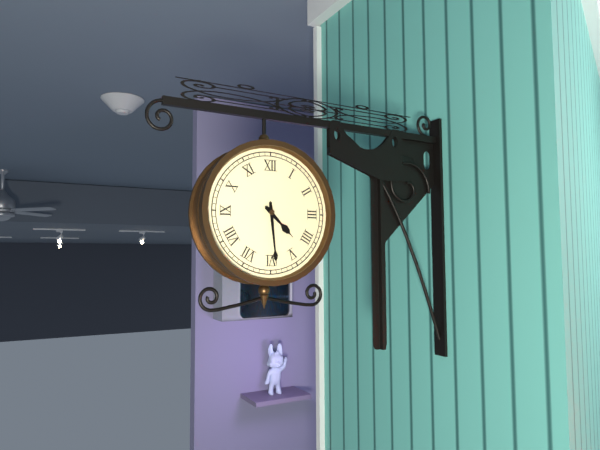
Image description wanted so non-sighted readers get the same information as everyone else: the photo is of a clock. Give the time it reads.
4:29
